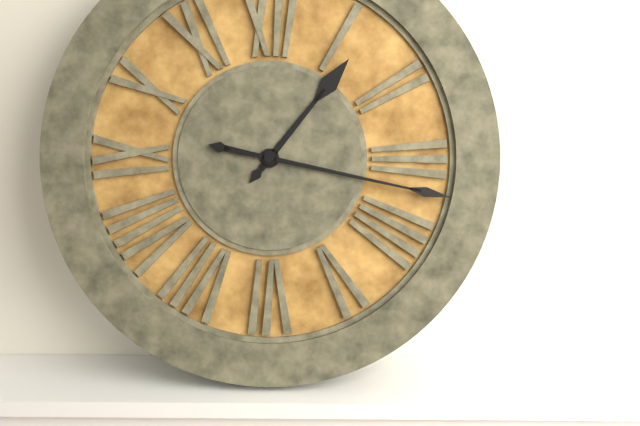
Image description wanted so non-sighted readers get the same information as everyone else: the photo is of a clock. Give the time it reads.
1:17
